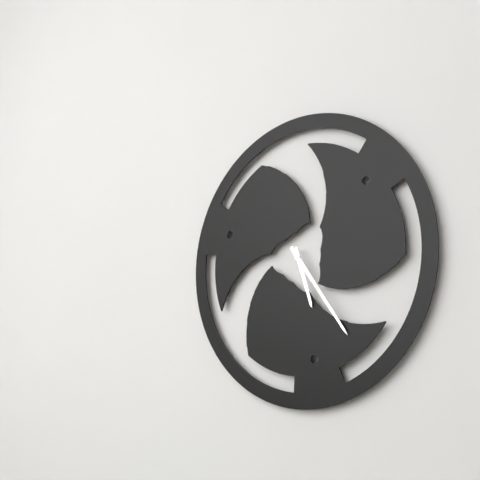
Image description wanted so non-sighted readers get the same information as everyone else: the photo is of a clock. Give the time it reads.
5:24
